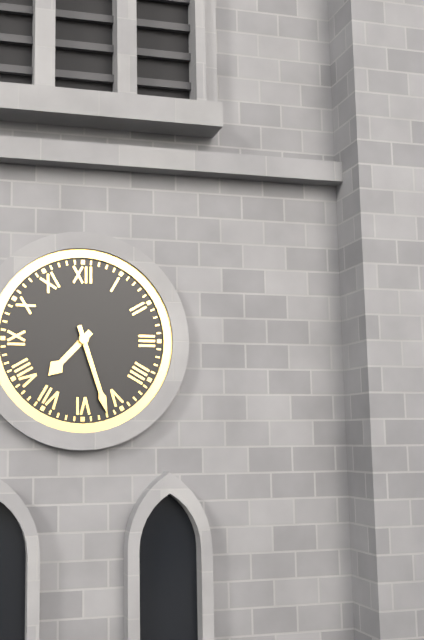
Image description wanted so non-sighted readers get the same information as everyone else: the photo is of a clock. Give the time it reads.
7:27
